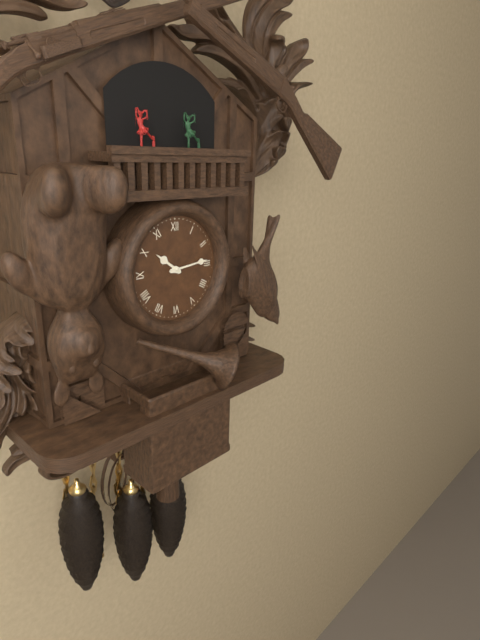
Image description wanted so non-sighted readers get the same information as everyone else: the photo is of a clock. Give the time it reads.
10:14
